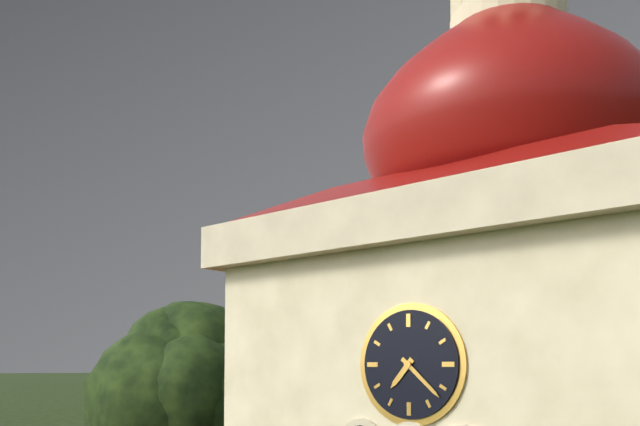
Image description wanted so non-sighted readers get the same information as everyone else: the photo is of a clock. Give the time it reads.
7:22
